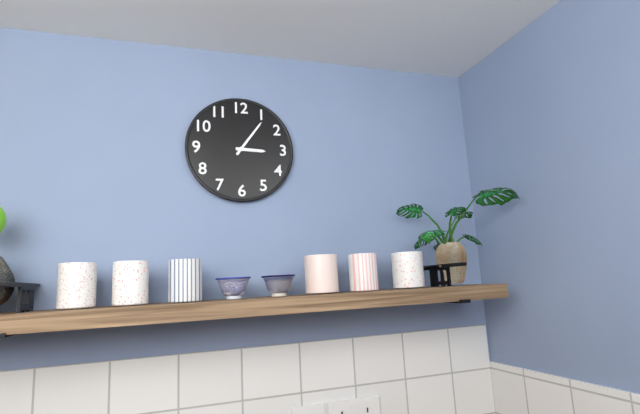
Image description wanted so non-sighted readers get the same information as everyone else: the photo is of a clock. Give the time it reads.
3:06
